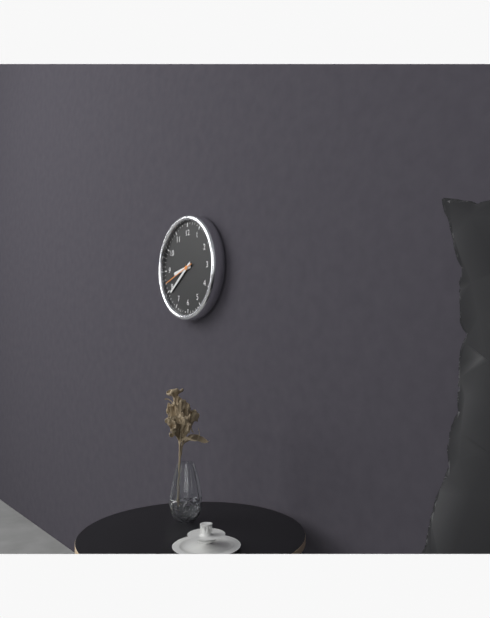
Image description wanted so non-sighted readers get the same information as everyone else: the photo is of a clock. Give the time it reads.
8:39
